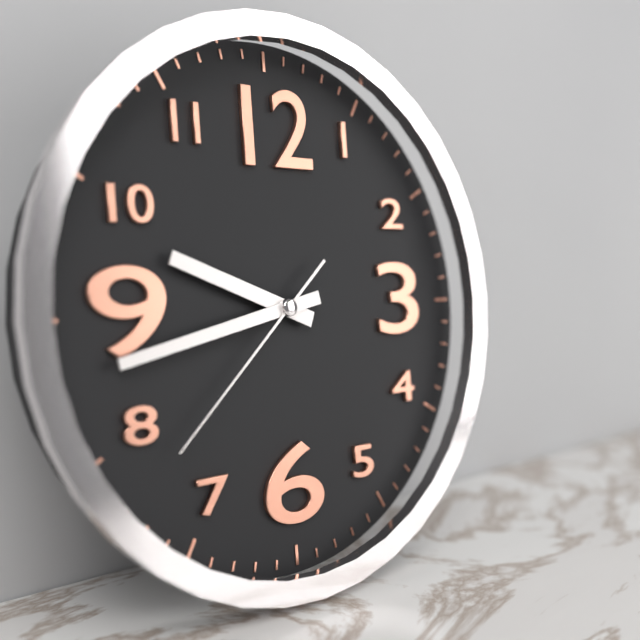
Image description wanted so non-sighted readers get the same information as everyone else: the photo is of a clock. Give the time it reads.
9:43:38
